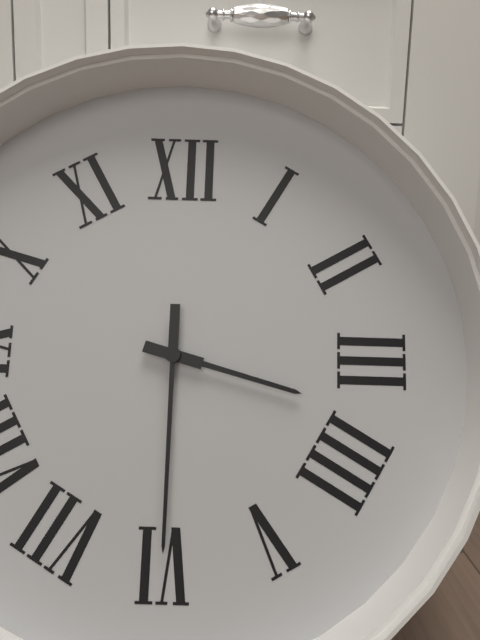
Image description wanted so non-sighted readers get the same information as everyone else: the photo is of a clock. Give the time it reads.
3:30
